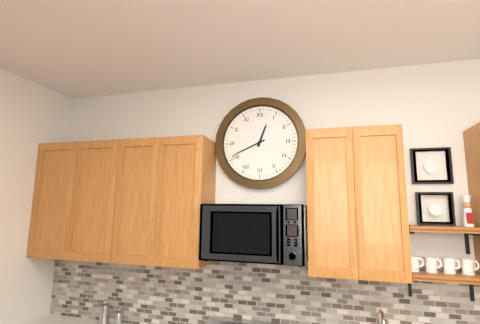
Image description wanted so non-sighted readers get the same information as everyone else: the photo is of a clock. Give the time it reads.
12:41
